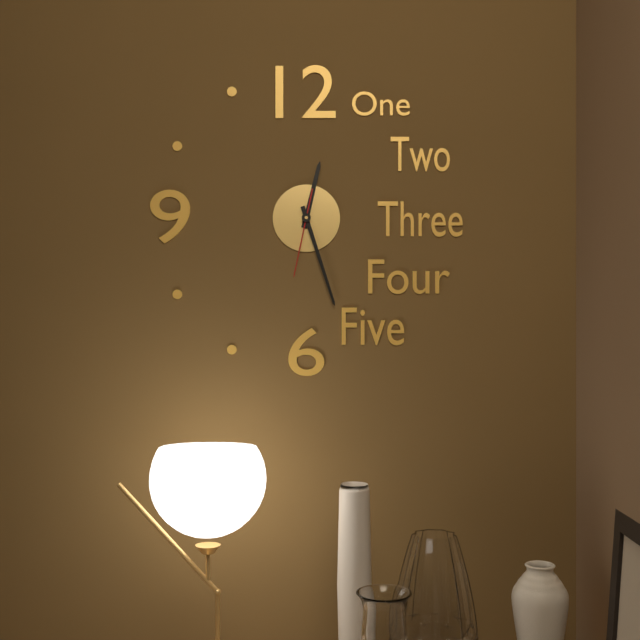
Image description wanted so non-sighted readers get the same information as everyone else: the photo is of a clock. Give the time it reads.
12:27:32
